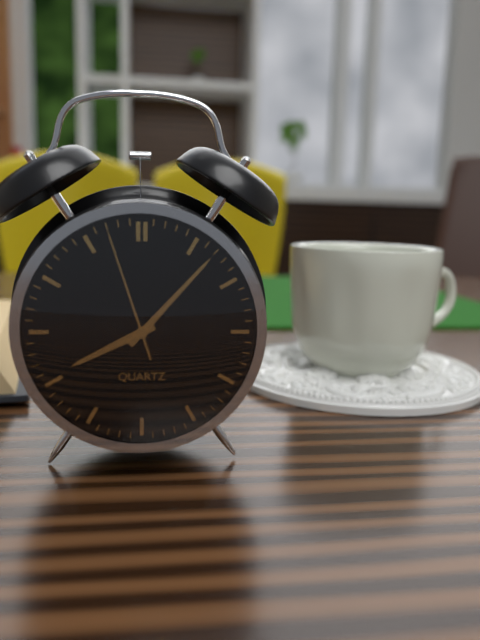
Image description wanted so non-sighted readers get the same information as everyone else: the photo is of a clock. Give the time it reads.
8:07:57
